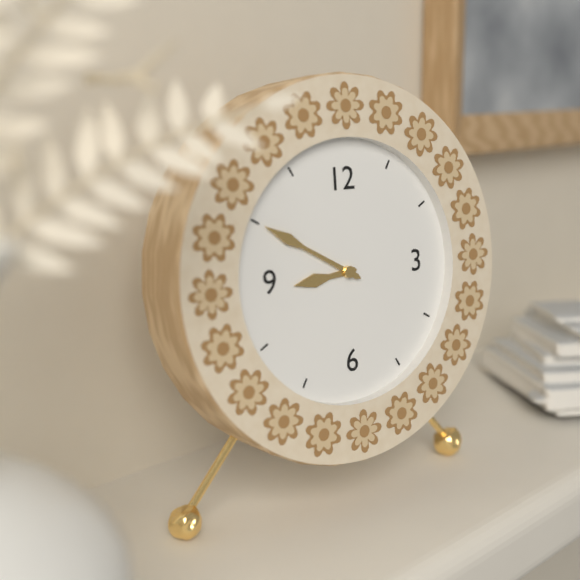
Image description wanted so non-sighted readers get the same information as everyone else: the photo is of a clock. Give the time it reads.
8:50
